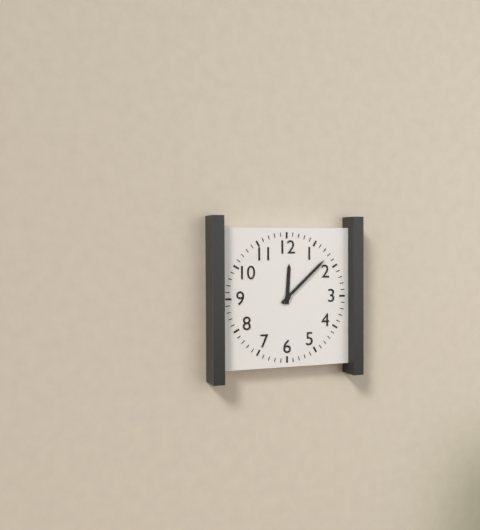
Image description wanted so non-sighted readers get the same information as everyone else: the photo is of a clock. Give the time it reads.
12:08
